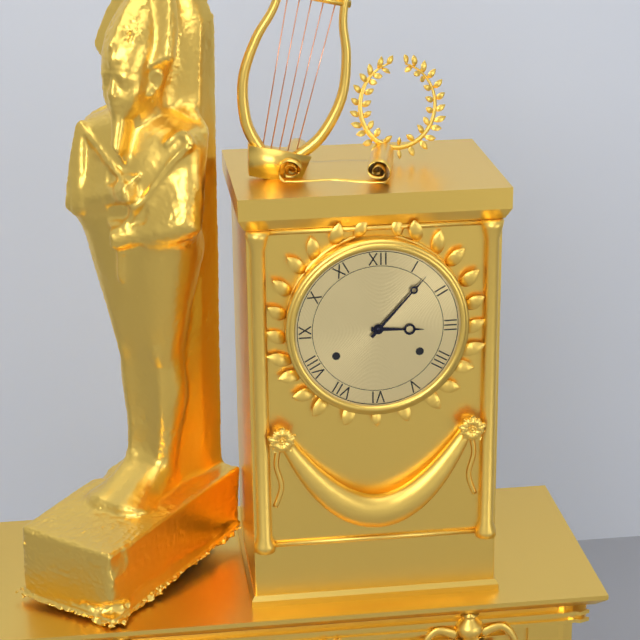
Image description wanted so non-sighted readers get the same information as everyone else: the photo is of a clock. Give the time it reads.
3:07
